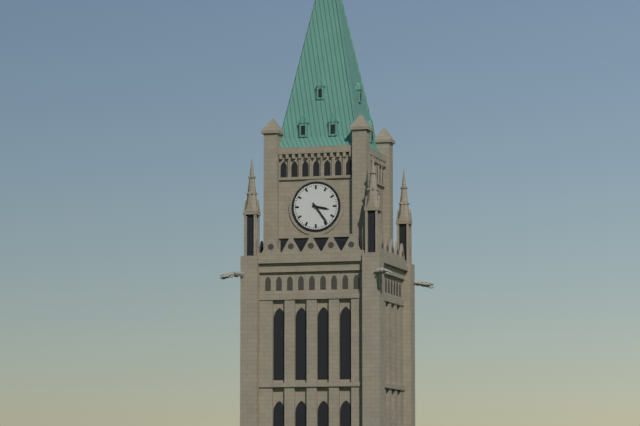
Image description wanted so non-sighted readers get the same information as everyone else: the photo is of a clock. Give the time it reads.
3:24
